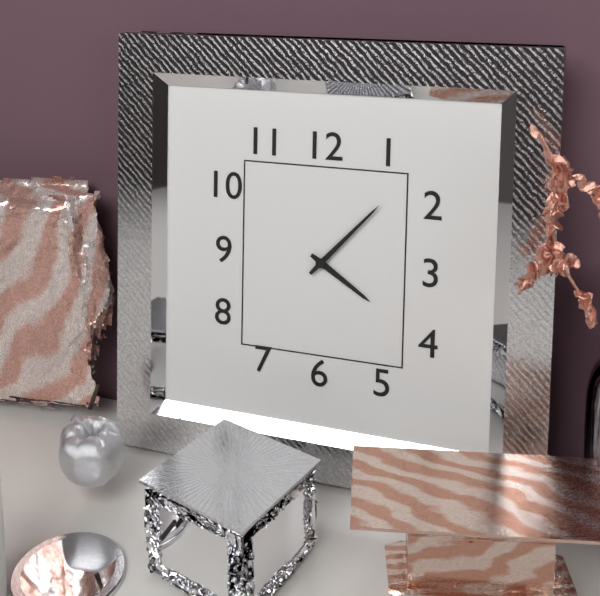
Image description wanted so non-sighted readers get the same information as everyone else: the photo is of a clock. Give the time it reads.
4:07
